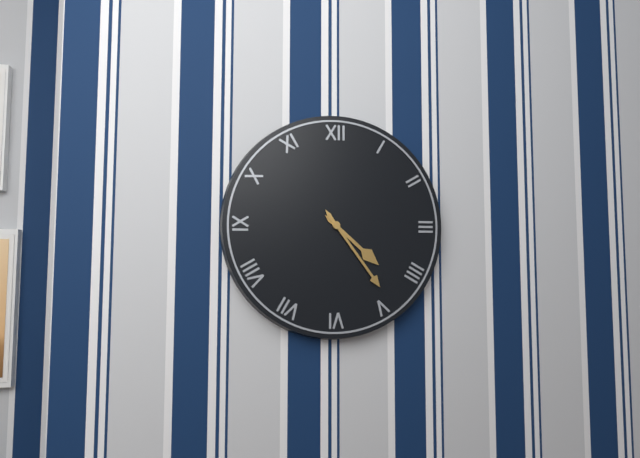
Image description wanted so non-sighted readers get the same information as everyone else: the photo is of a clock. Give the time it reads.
4:24
